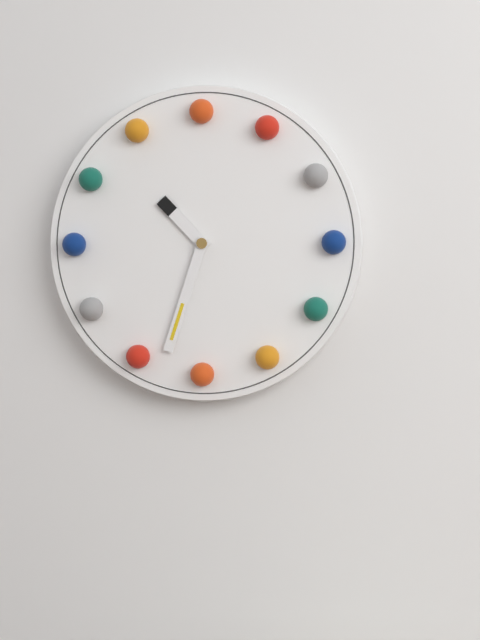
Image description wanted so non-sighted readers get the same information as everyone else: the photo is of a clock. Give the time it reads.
10:33
